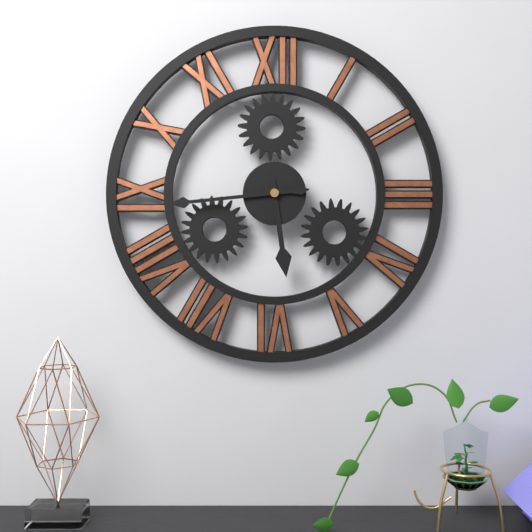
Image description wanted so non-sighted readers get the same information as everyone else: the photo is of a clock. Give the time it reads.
5:44
